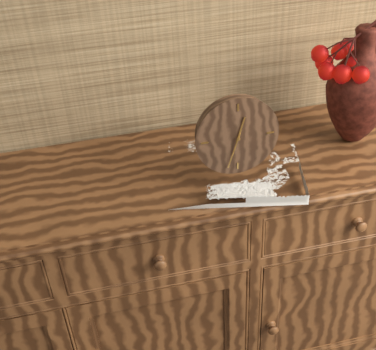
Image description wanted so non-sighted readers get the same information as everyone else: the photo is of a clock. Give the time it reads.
12:33
